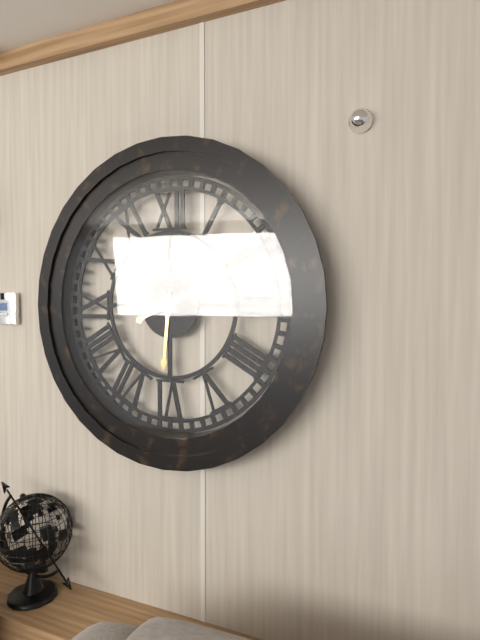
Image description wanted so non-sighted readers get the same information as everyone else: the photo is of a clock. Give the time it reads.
6:11
